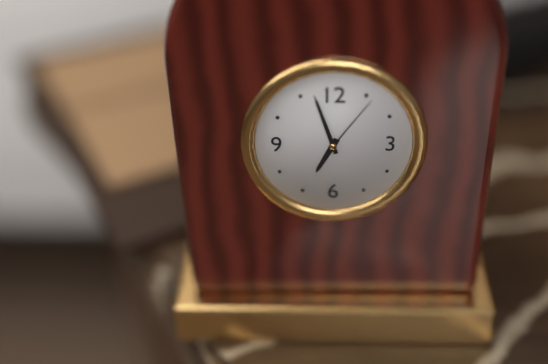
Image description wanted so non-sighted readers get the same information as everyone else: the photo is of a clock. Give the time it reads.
6:57:06
